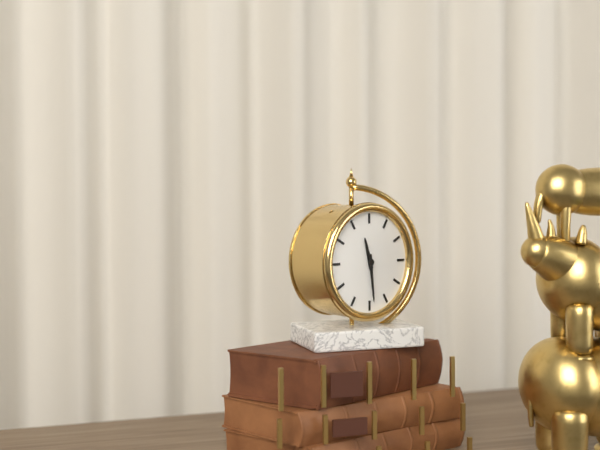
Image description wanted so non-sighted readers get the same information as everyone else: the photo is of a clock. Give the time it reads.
11:29
